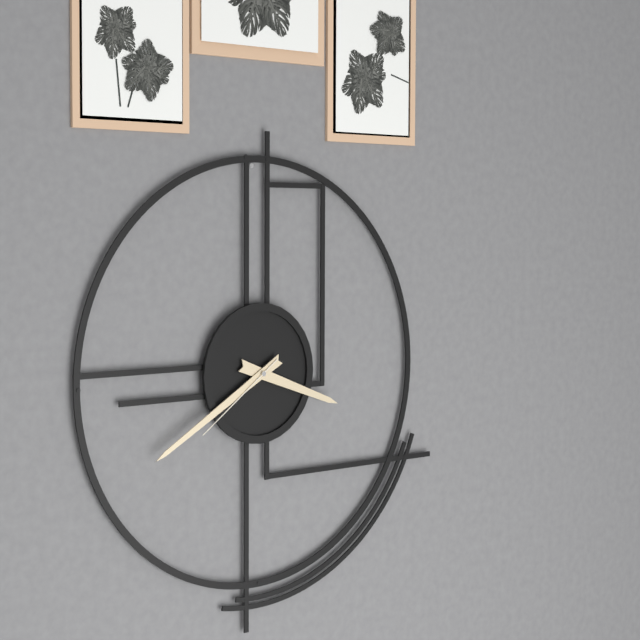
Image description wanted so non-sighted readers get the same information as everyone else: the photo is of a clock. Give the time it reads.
3:40:39
